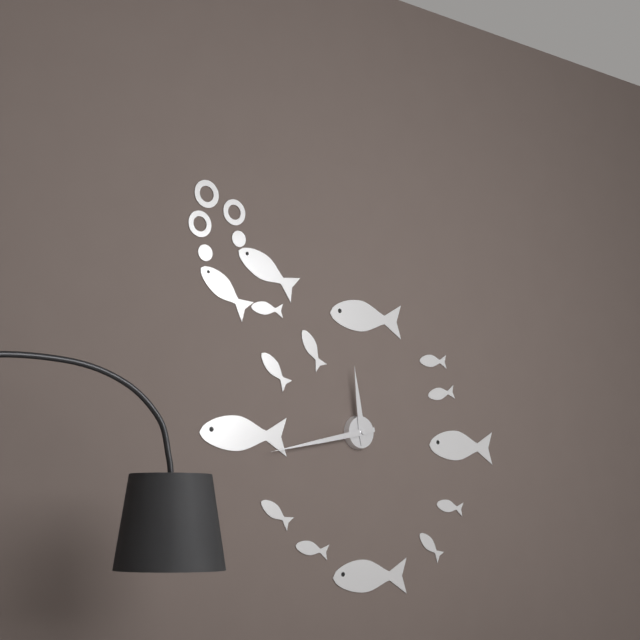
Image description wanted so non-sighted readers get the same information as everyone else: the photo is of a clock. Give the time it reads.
11:43
